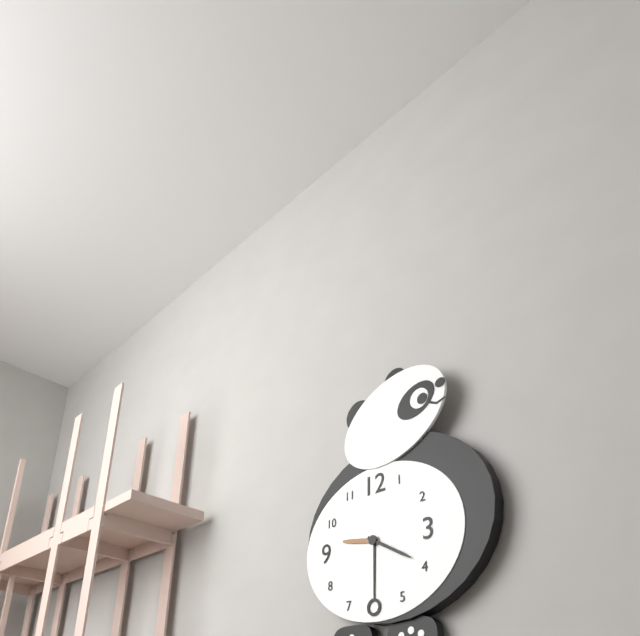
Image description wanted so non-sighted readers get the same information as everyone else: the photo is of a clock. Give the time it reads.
9:20
